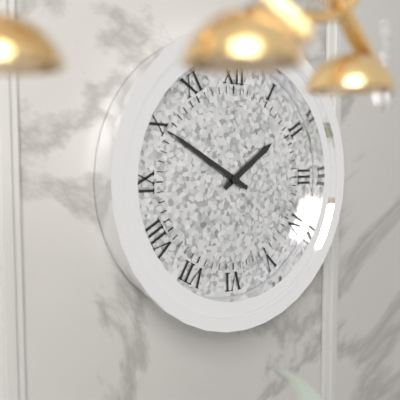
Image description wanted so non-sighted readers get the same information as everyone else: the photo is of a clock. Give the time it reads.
1:50
